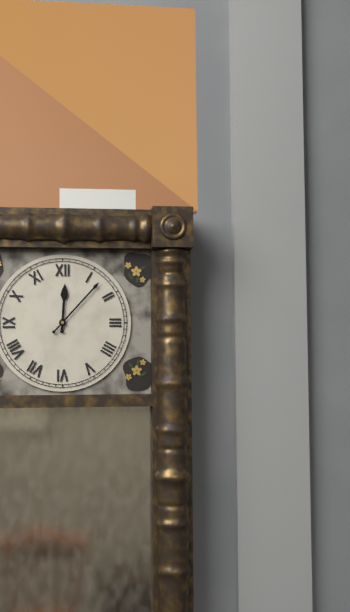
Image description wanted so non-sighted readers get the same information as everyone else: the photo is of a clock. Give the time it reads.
12:07
